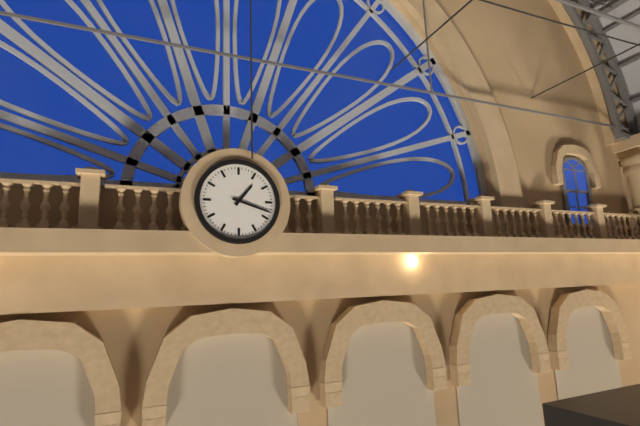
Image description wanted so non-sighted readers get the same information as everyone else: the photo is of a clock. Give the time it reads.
1:18
